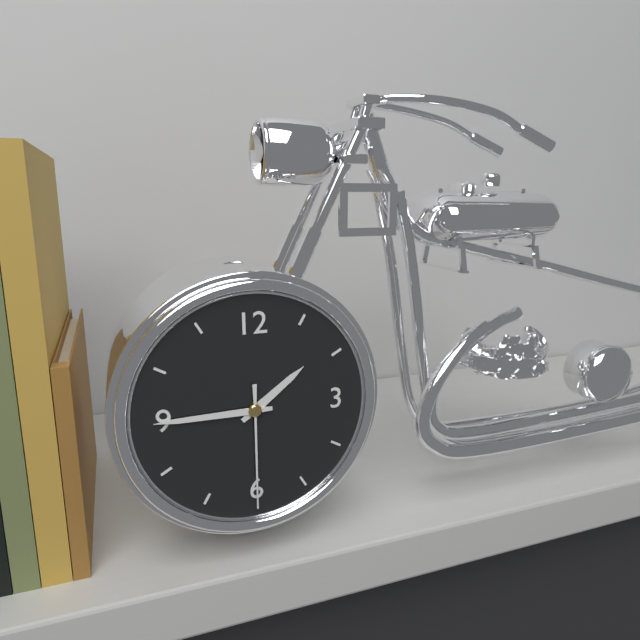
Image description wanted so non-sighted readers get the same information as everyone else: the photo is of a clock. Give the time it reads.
1:45:30
